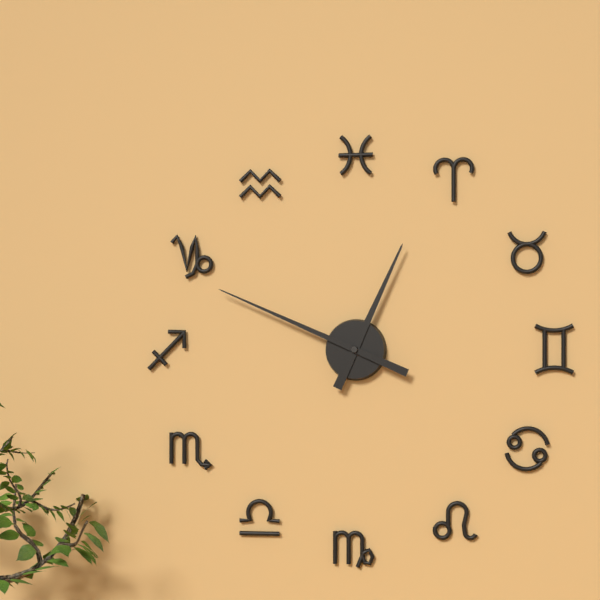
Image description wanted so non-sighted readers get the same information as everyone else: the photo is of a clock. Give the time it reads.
12:49
